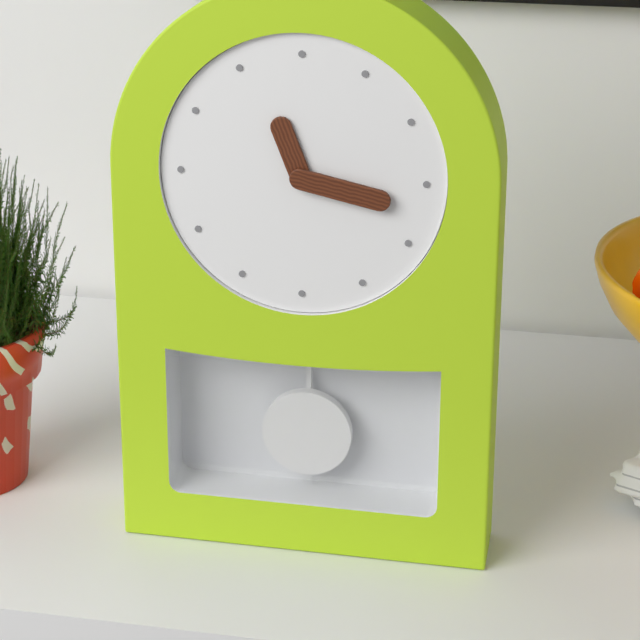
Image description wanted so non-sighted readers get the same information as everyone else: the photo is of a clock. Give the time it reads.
11:17
